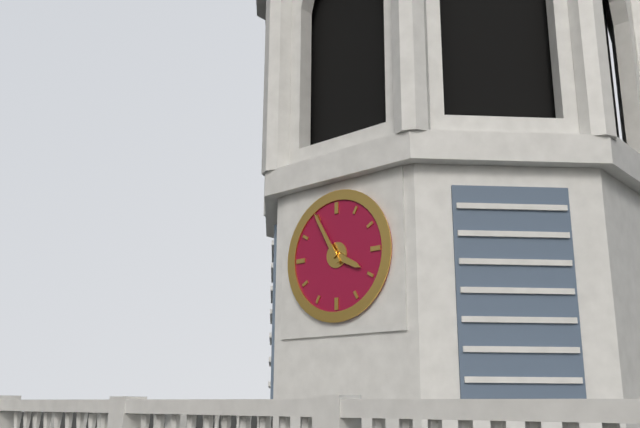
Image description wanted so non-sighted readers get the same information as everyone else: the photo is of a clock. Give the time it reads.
3:55
